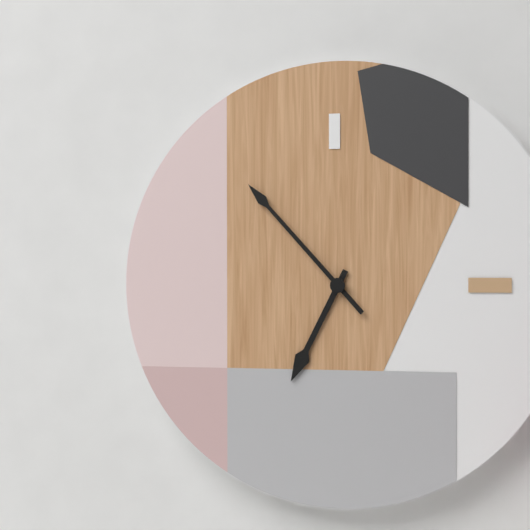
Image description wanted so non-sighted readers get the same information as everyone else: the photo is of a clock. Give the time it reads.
6:53
